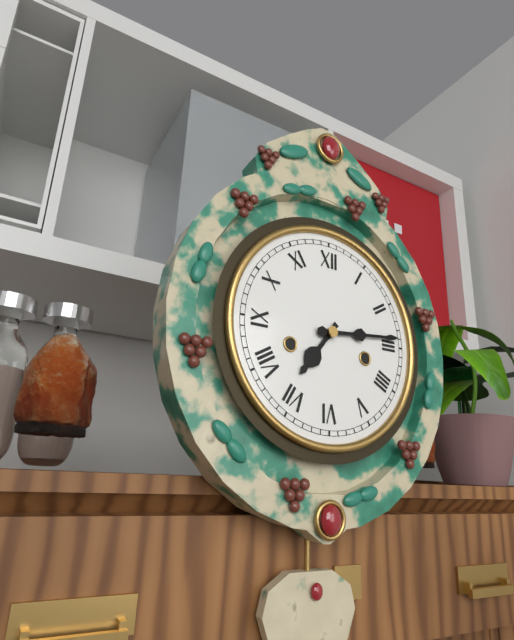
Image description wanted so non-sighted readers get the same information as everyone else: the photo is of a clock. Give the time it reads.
7:14
